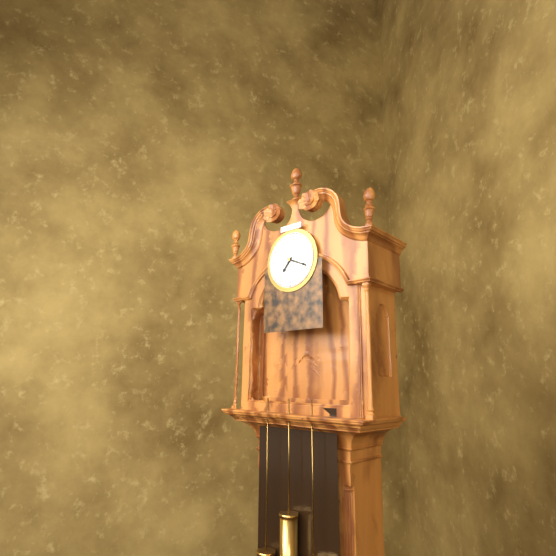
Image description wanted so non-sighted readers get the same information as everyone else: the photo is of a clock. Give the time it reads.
7:19
